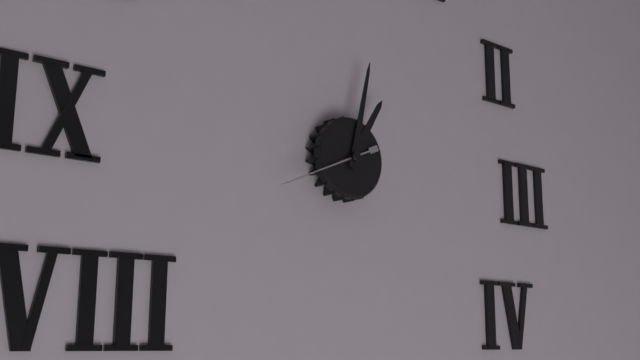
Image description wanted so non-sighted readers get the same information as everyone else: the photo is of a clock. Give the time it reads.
1:02:41
